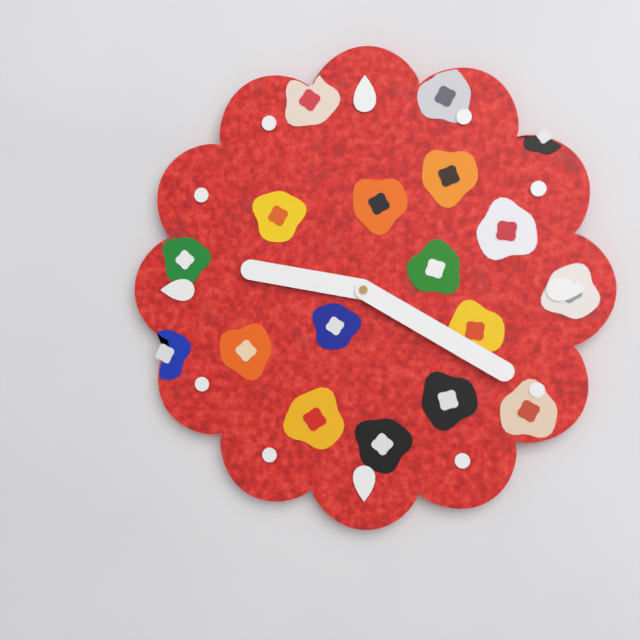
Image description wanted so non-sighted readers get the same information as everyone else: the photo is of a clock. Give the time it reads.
9:20
